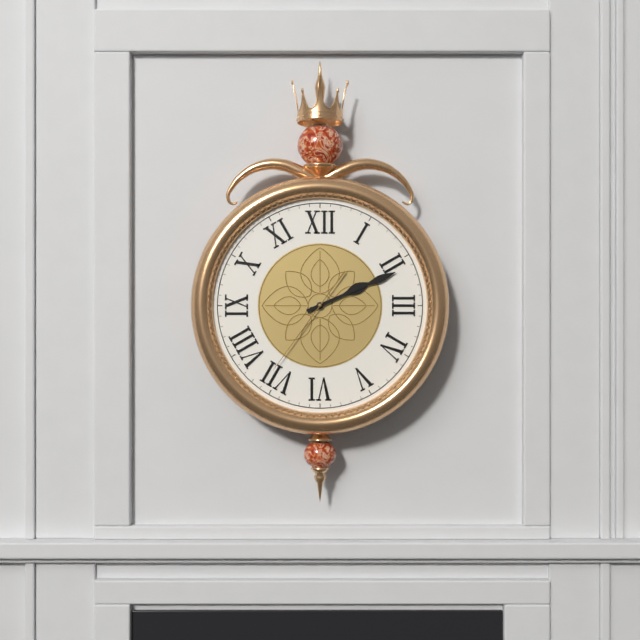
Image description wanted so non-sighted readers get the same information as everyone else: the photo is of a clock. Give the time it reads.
2:11:36
